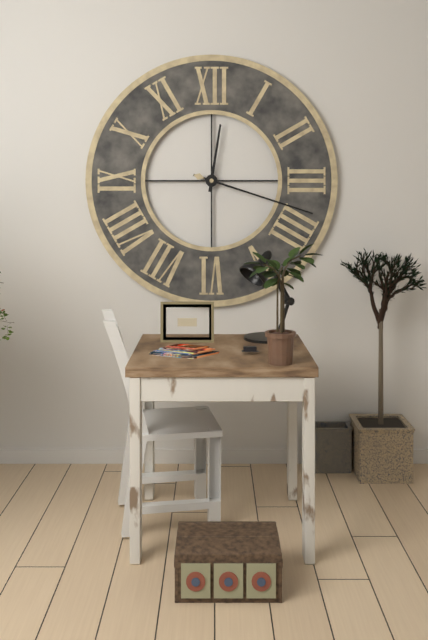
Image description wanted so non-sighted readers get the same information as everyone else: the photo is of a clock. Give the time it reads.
12:18
